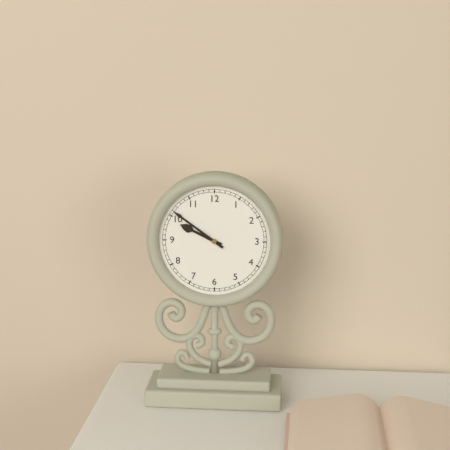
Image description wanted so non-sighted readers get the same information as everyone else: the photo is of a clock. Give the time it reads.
9:51
